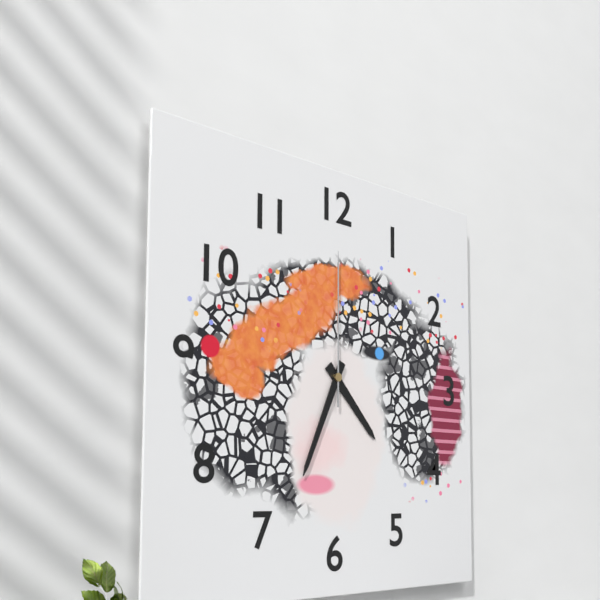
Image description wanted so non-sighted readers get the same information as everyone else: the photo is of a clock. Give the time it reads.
4:34:00
